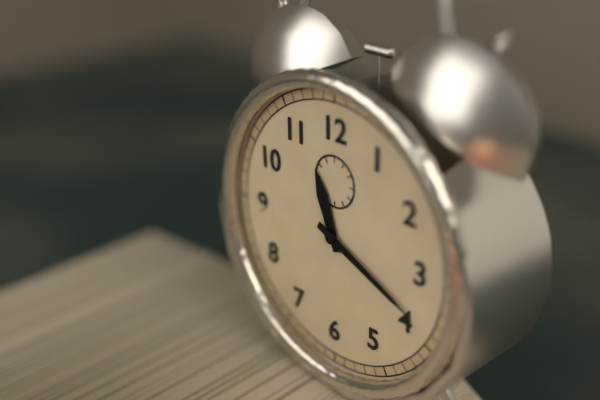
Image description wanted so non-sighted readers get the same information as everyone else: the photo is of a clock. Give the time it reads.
11:19
